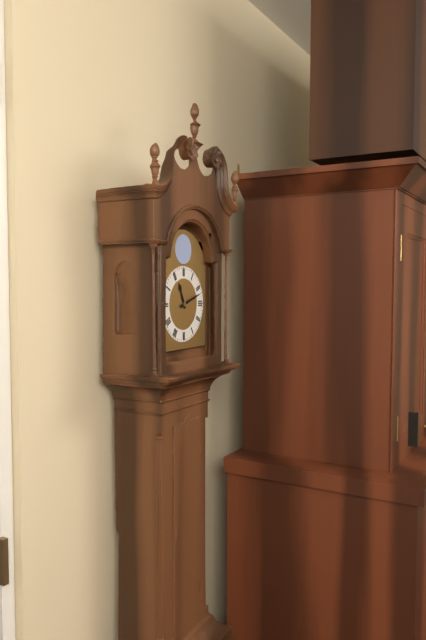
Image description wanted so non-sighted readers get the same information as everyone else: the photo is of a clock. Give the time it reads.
11:12
